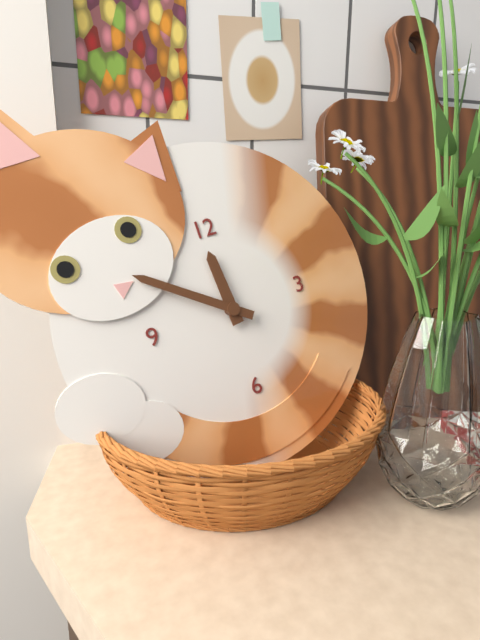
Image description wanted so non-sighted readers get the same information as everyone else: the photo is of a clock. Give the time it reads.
11:51
